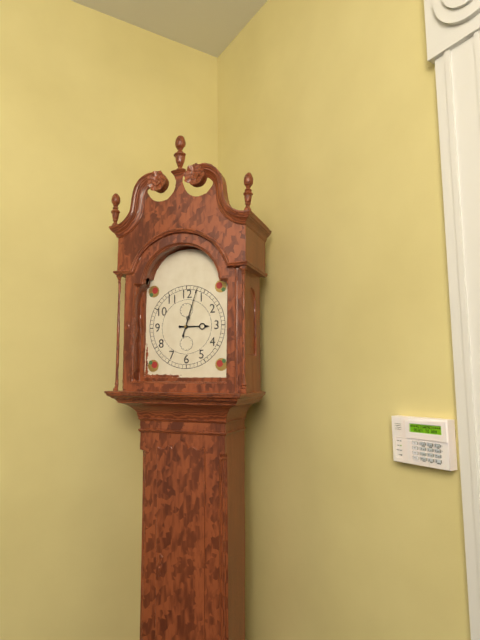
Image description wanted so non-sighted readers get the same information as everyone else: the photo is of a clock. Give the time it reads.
3:03
